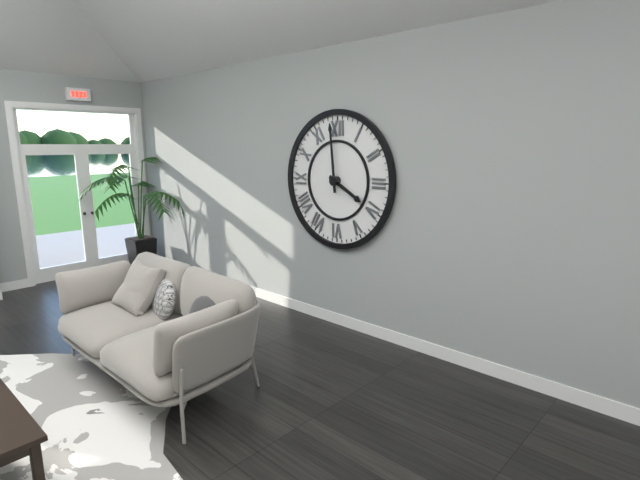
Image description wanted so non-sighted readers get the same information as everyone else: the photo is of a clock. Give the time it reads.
3:59
